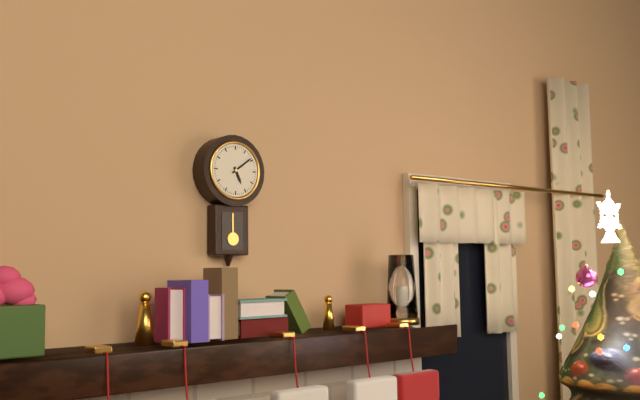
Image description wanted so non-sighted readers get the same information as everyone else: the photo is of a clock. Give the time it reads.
5:09
